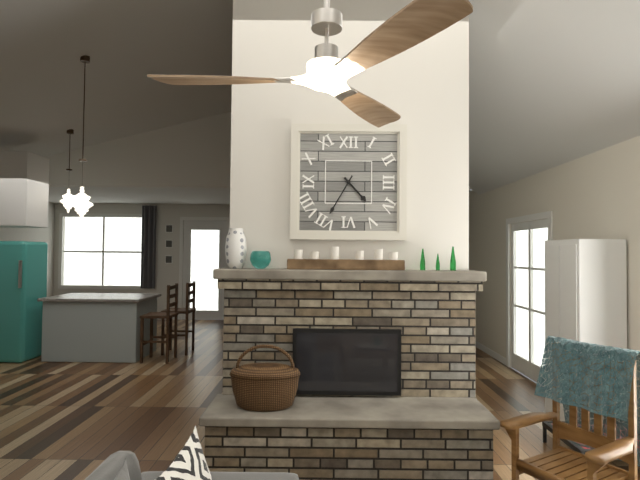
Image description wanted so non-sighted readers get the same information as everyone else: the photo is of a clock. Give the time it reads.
4:35
